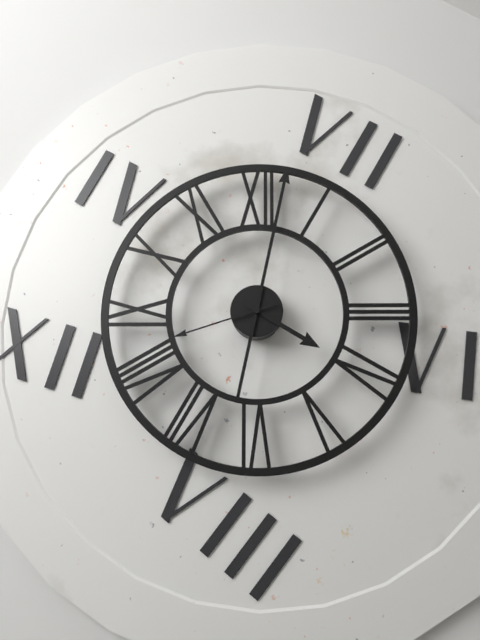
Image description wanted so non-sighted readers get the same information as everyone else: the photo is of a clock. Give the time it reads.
4:02:42
